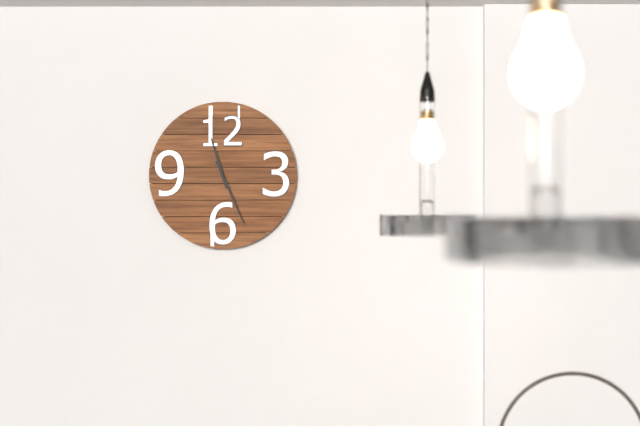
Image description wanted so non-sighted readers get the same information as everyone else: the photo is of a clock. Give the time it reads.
11:26
